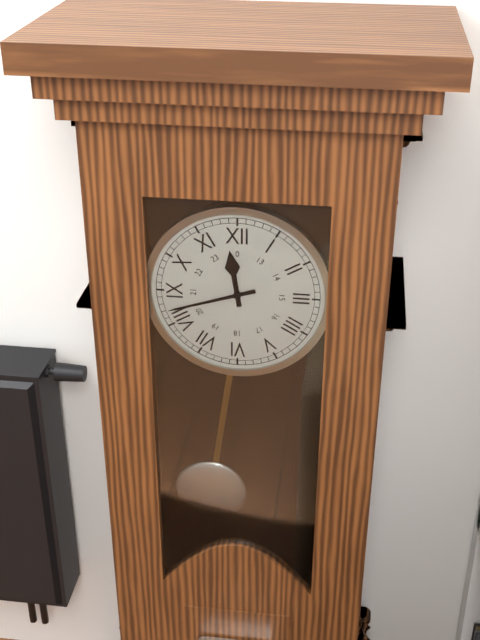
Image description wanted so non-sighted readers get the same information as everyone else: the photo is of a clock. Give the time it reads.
11:42
